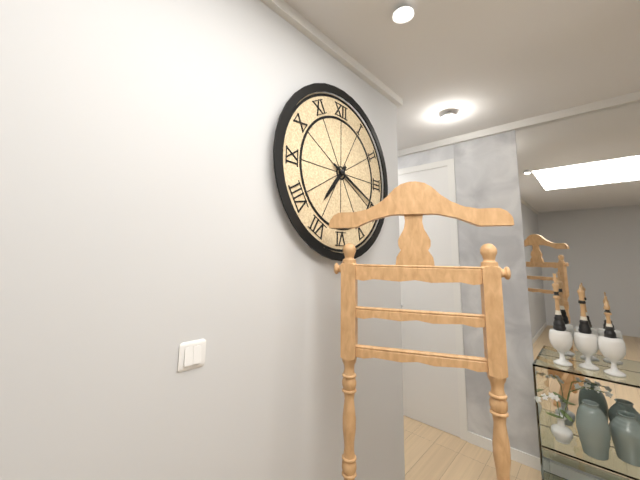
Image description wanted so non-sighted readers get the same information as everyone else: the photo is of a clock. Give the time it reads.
7:19
